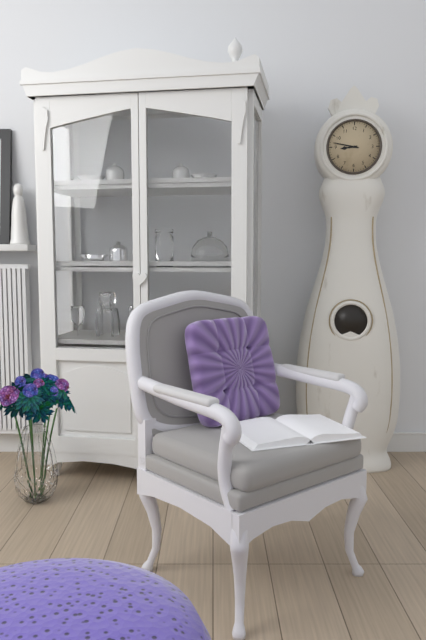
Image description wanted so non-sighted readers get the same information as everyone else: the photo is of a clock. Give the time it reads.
8:47
